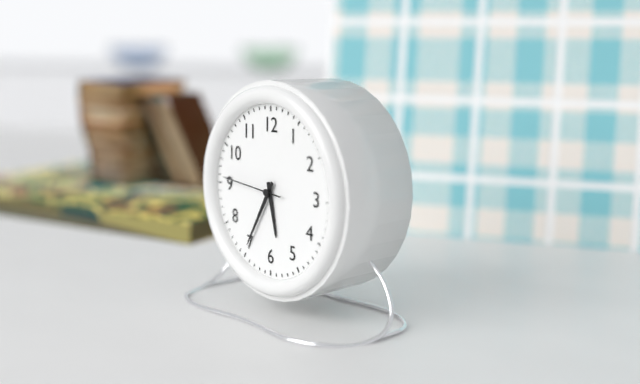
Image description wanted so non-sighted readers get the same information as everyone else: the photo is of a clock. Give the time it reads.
5:35:46
